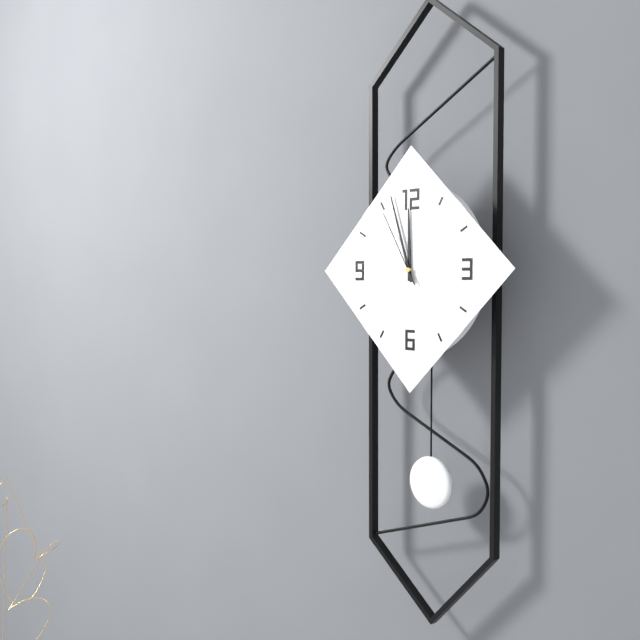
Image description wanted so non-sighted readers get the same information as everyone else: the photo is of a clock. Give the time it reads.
11:57:55
